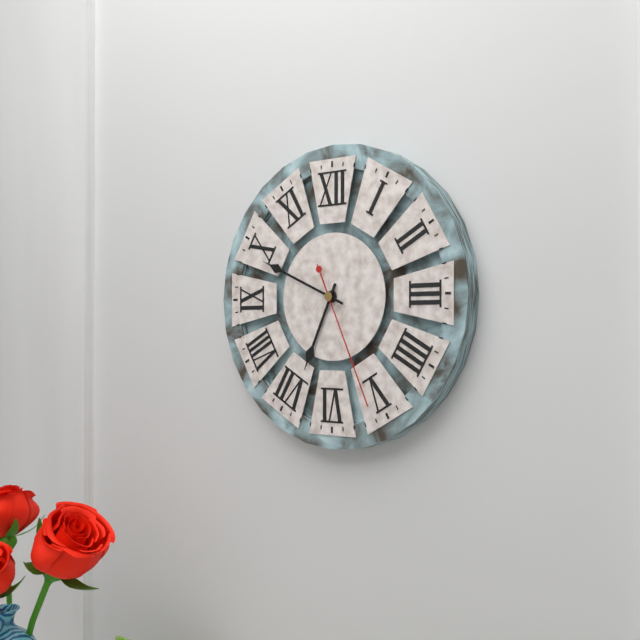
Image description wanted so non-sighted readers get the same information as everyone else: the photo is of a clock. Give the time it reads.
6:49:26
